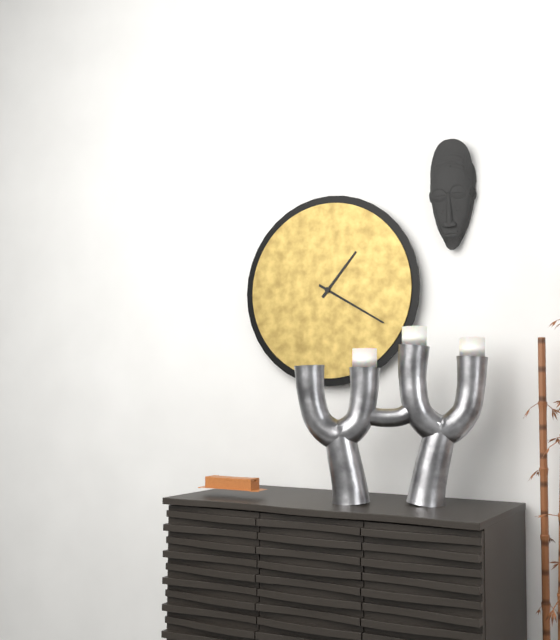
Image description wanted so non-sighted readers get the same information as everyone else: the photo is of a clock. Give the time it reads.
1:20
